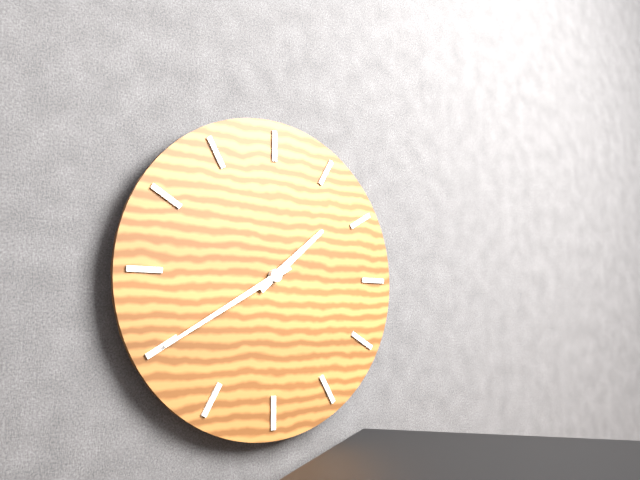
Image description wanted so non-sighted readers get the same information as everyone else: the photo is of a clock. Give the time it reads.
1:40
